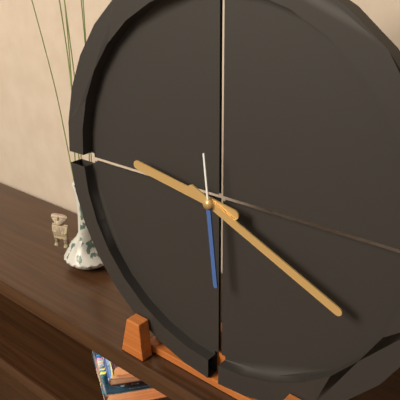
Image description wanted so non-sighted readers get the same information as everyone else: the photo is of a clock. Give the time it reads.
9:19:29
